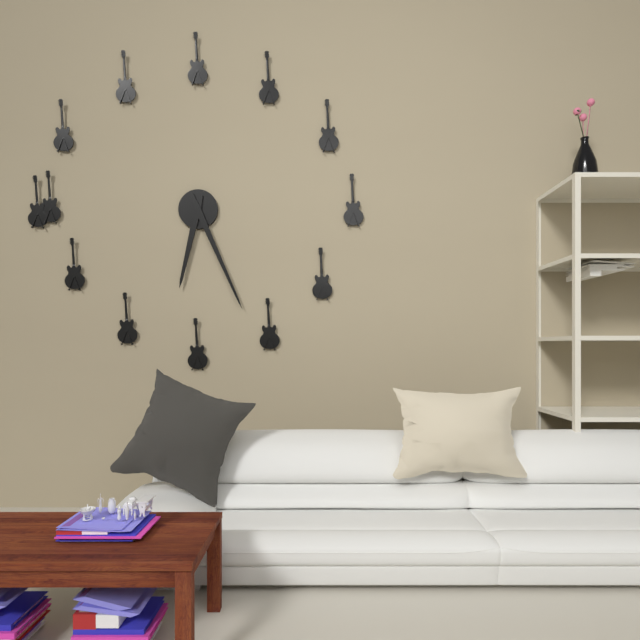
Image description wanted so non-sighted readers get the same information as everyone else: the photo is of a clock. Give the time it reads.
6:26
